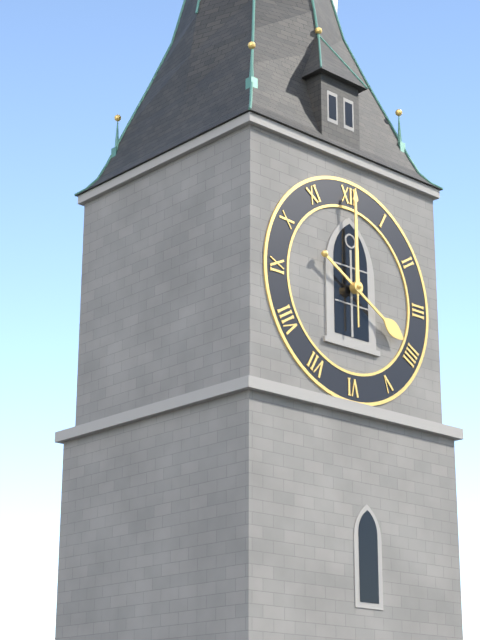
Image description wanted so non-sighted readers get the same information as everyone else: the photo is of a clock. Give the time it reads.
4:00
